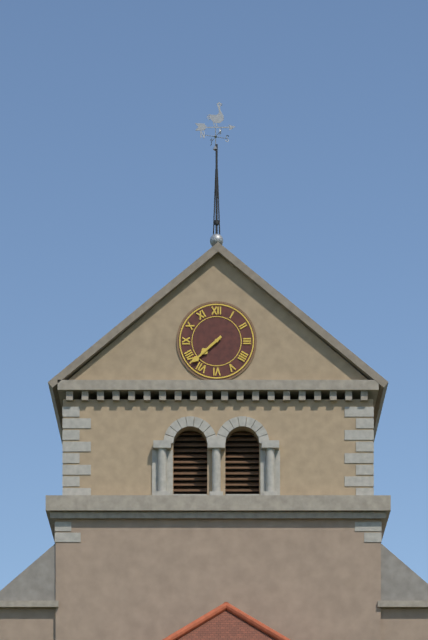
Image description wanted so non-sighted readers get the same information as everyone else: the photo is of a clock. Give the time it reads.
7:38
